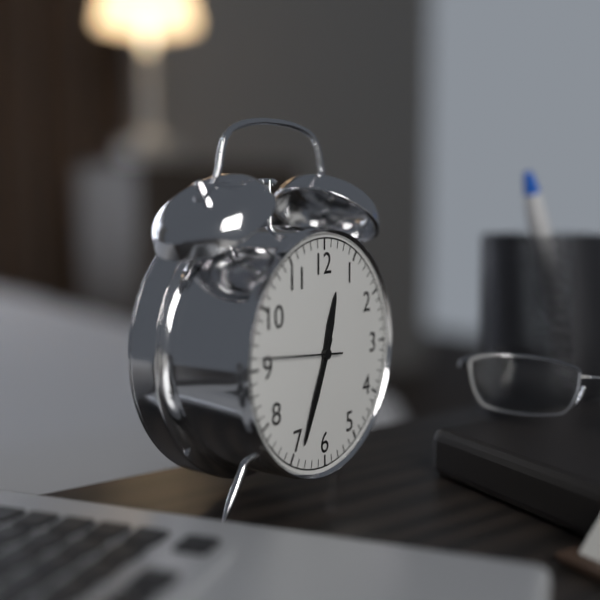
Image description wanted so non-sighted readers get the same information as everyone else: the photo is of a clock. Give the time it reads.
12:34:46
